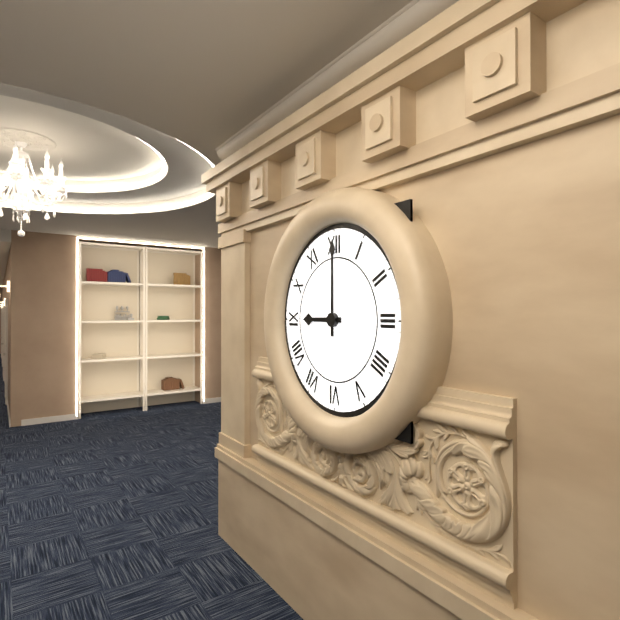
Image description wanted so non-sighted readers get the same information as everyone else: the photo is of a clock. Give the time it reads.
9:00
